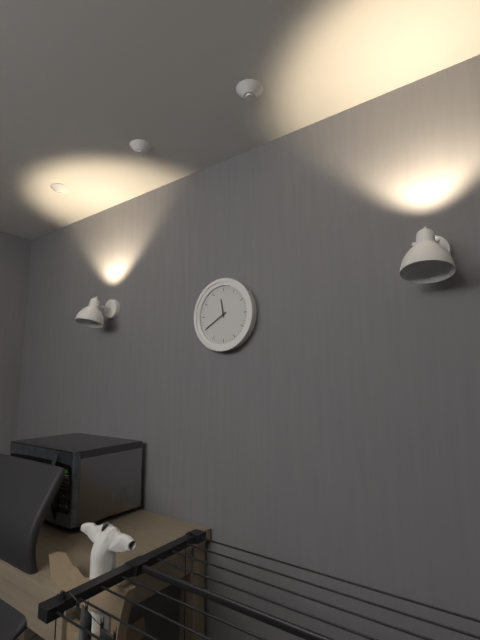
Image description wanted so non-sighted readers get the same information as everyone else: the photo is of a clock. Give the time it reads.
11:40
